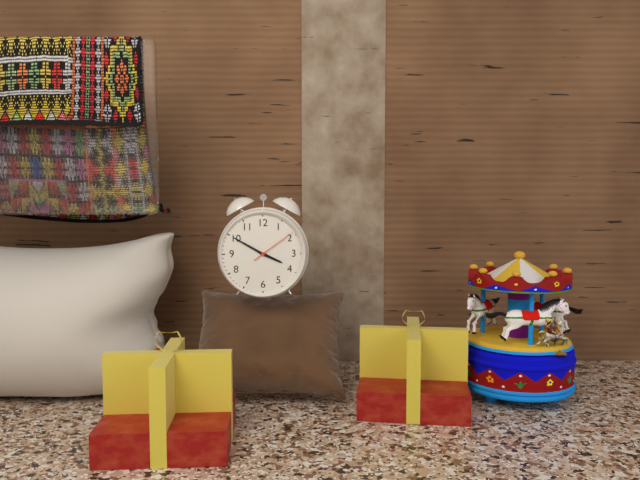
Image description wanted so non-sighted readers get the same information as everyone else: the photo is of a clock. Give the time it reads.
3:50
